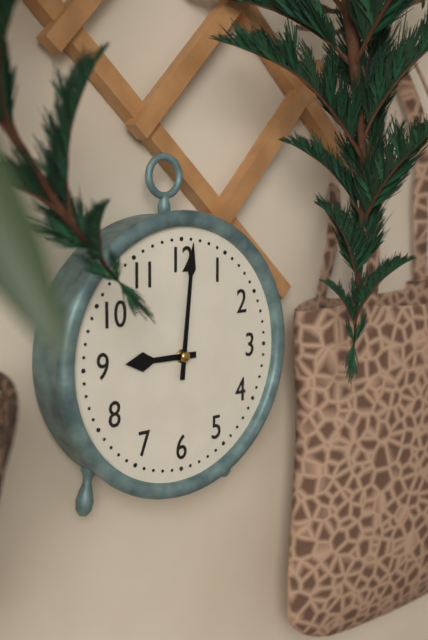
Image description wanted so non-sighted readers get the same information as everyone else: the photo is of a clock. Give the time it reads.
9:01
